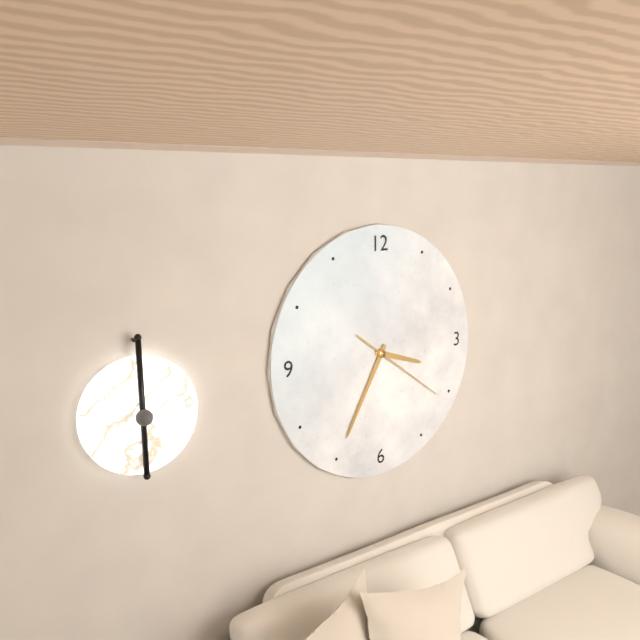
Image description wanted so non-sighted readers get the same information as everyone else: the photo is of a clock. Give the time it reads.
3:35:21
